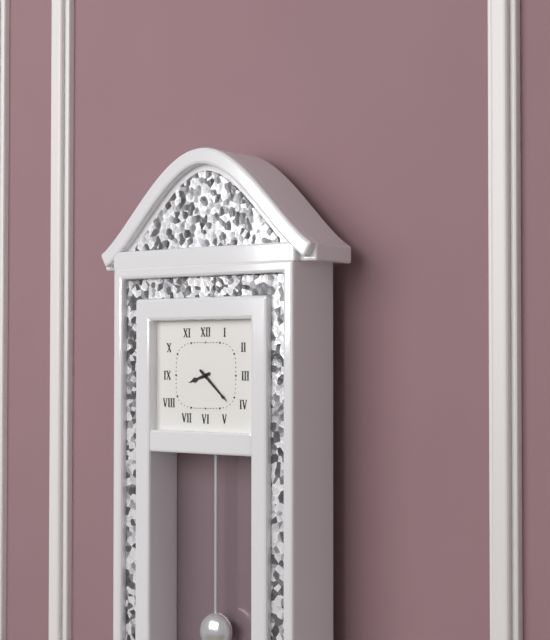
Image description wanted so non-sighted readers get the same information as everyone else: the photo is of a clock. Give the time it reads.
8:22
